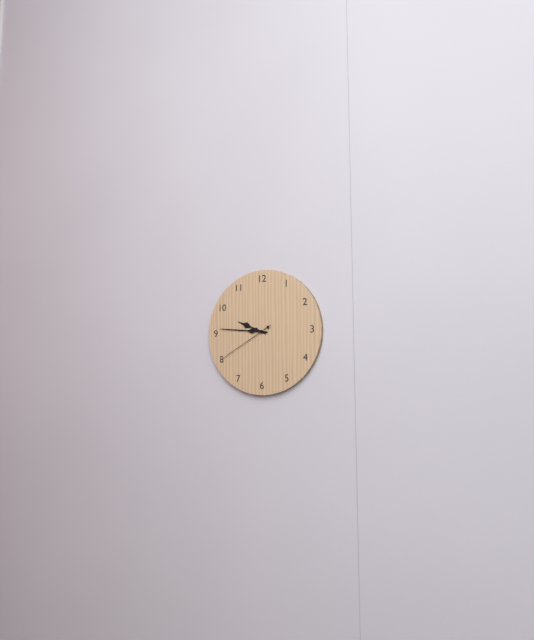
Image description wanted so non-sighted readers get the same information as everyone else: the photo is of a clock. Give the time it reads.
9:46:40
